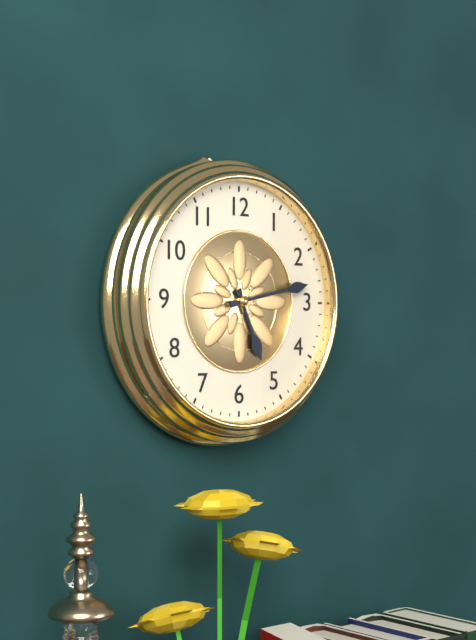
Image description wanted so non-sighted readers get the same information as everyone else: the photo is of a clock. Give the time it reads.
5:13
